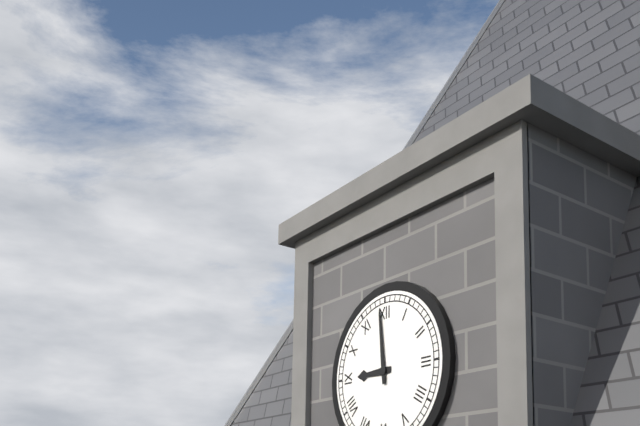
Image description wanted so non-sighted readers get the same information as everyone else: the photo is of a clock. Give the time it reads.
8:59
